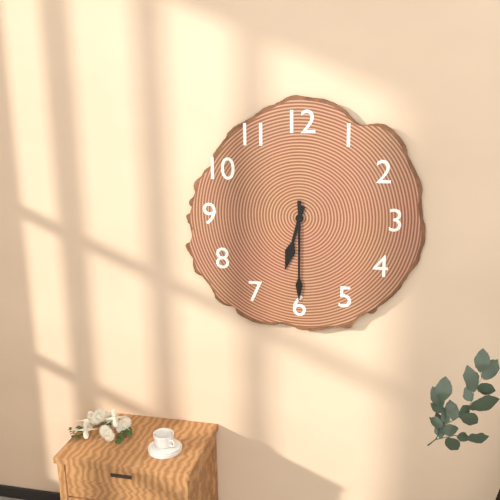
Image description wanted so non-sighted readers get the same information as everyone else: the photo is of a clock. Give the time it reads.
6:30
